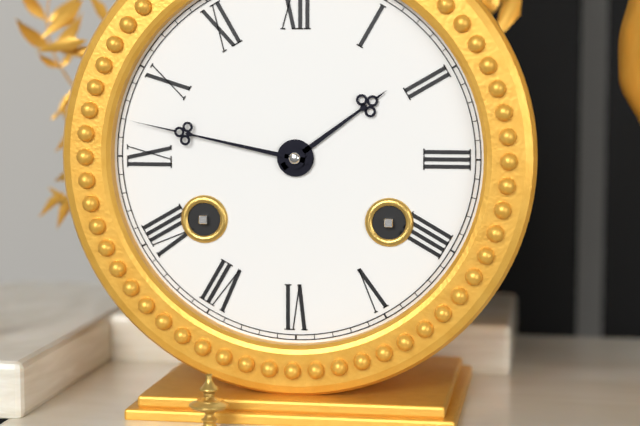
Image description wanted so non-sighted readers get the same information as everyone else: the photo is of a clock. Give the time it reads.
1:47
